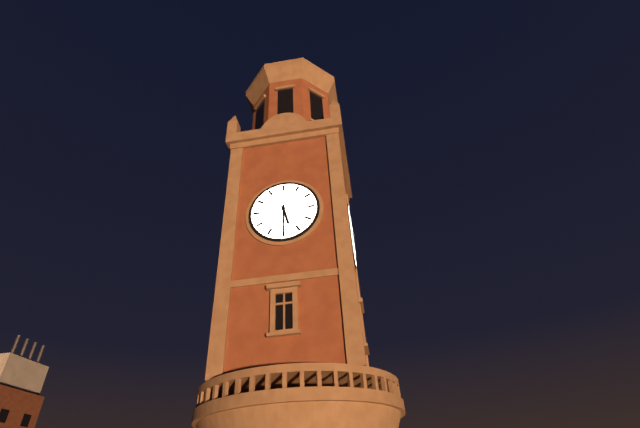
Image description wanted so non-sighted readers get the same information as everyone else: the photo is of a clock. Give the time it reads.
5:30
